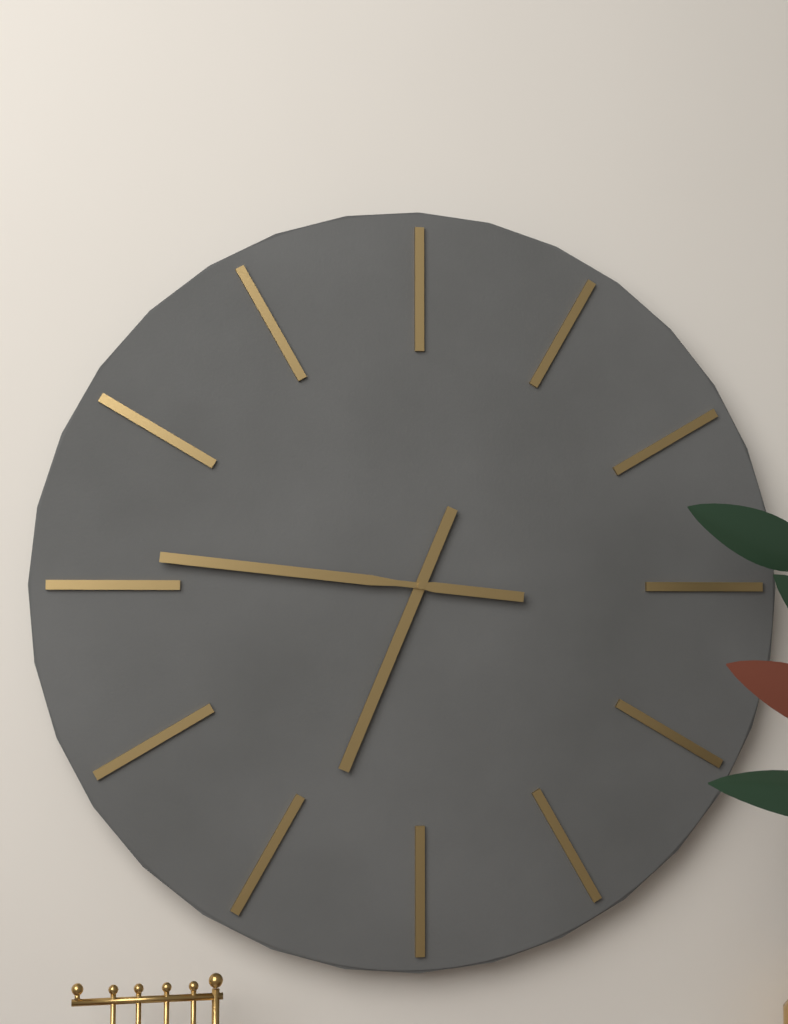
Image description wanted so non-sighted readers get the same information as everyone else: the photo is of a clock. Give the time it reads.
6:46
